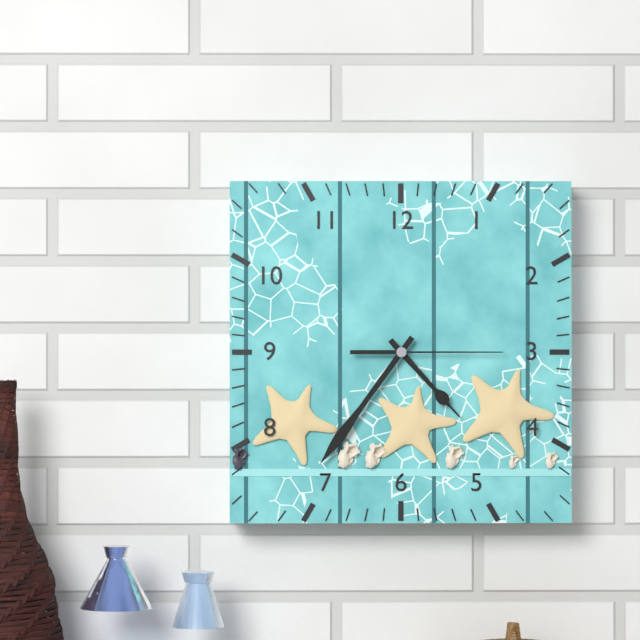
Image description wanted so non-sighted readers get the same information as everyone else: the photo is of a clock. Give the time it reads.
4:36:15
